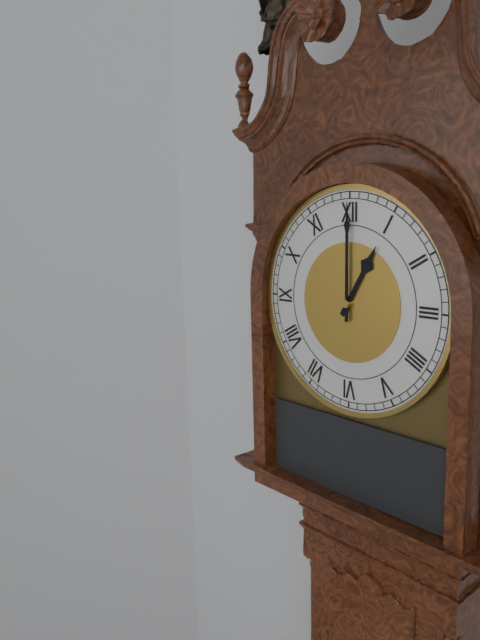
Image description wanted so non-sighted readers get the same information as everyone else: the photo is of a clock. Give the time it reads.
1:00
